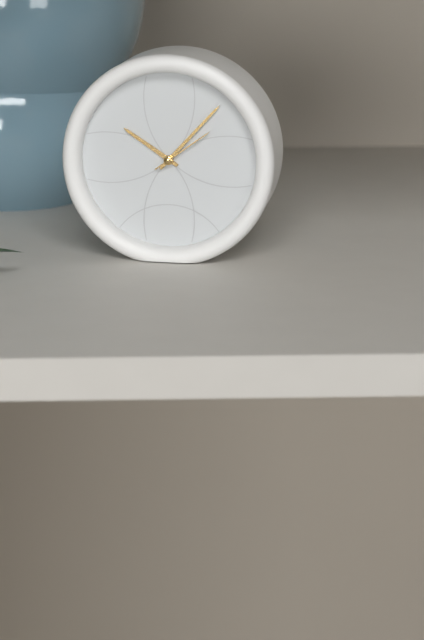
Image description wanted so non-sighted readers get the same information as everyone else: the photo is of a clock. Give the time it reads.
10:07:09
